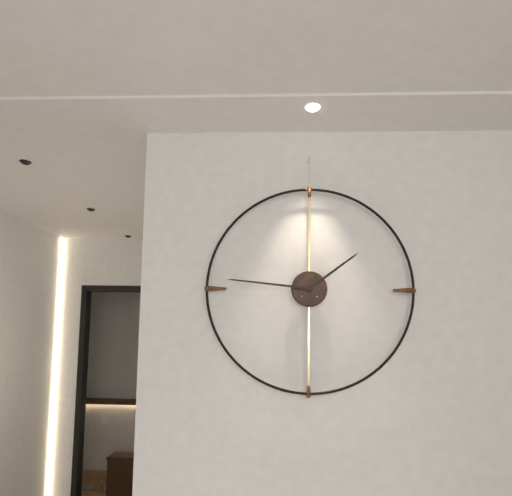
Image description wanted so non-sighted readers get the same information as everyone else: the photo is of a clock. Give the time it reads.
1:46
